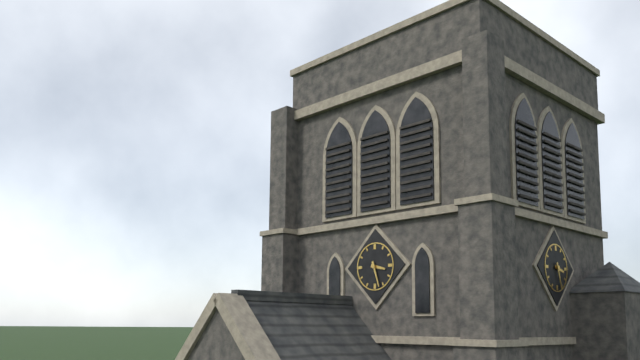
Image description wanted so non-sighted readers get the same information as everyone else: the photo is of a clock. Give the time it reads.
3:27
